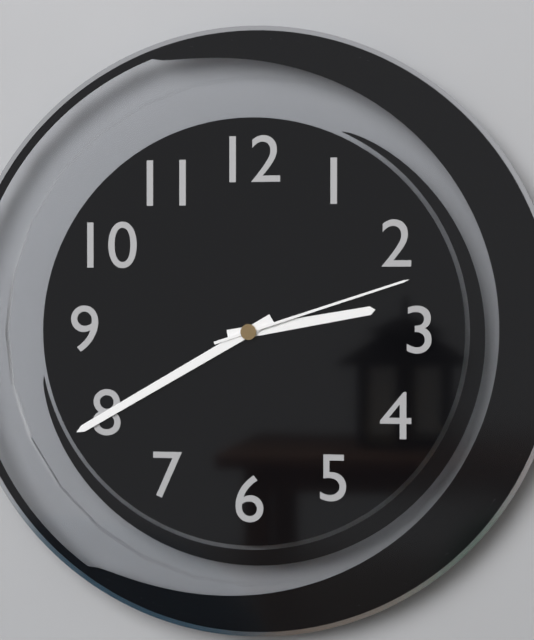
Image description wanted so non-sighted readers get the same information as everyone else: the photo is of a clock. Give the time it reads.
2:40:12
